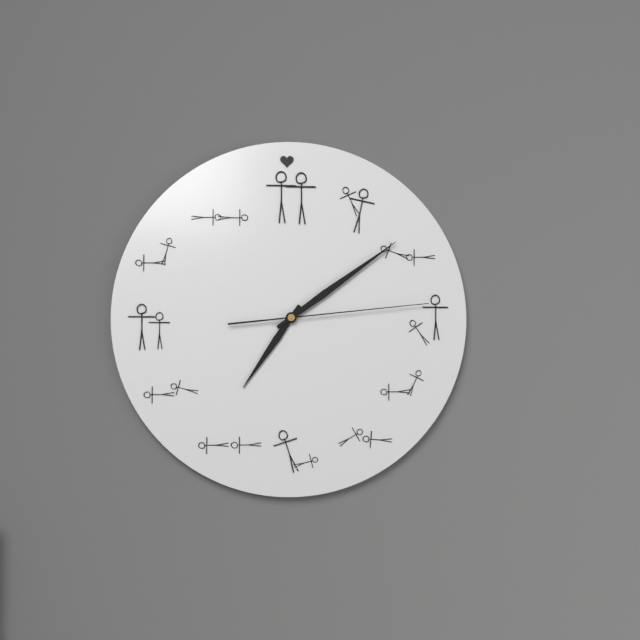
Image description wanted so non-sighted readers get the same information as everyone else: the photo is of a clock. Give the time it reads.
7:09:14
